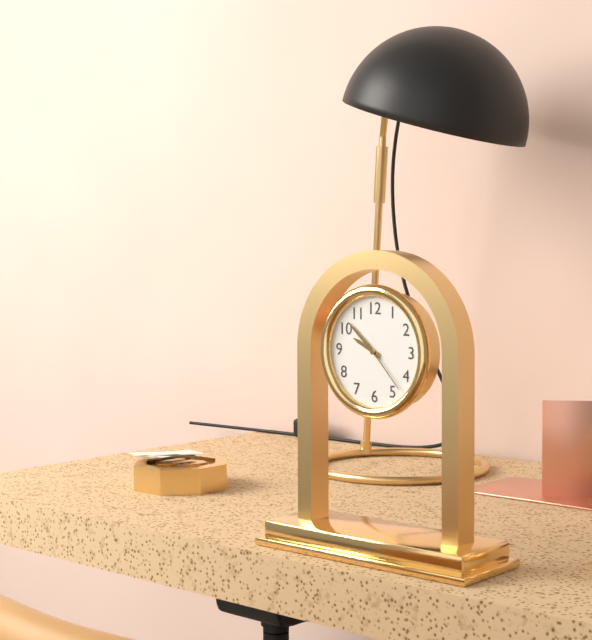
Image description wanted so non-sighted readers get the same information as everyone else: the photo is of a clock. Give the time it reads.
9:52:23
